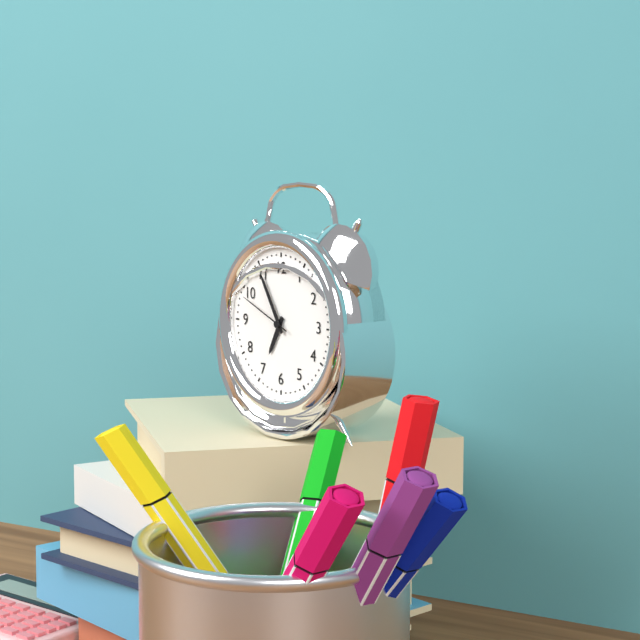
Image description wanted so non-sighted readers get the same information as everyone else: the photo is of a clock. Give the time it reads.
6:55:49
